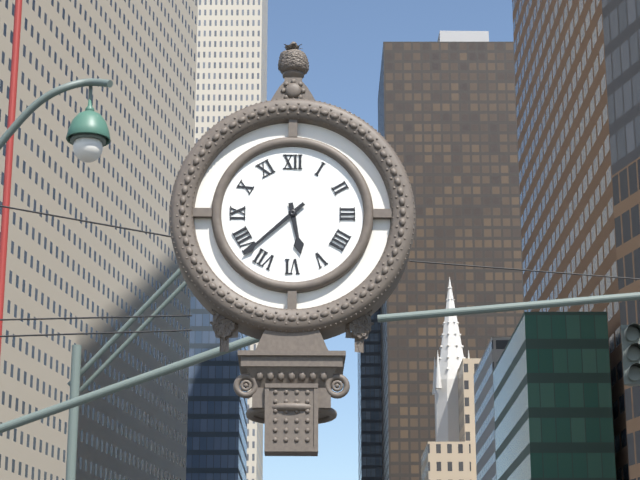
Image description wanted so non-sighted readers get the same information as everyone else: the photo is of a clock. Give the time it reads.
5:38
